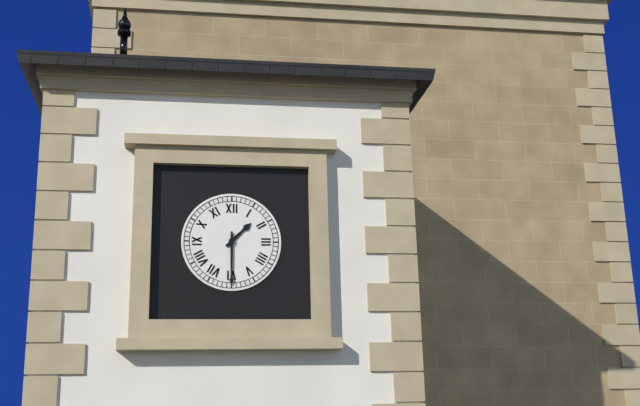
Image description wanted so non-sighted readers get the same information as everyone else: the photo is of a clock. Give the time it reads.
1:30
